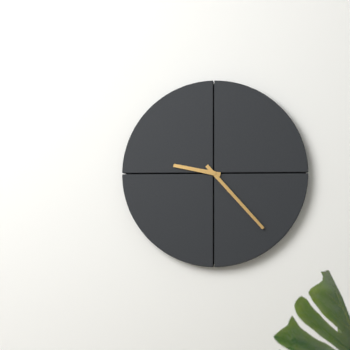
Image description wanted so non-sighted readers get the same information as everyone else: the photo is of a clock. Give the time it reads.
9:23
